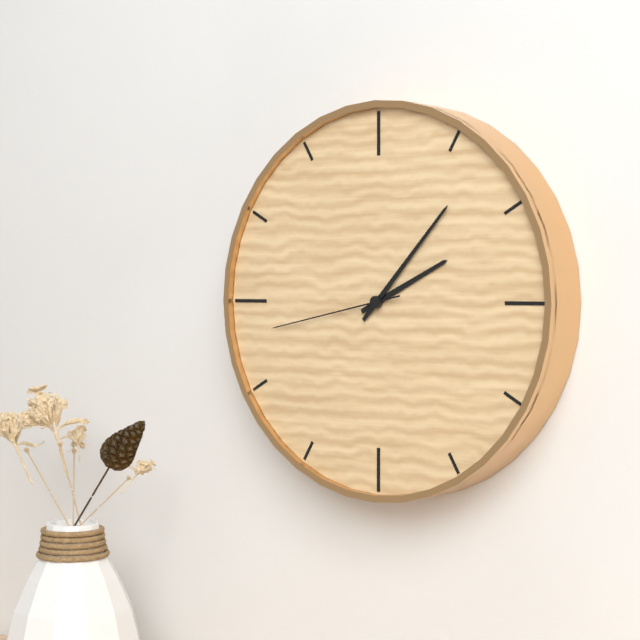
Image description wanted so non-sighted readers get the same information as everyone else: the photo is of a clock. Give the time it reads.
2:07:43
